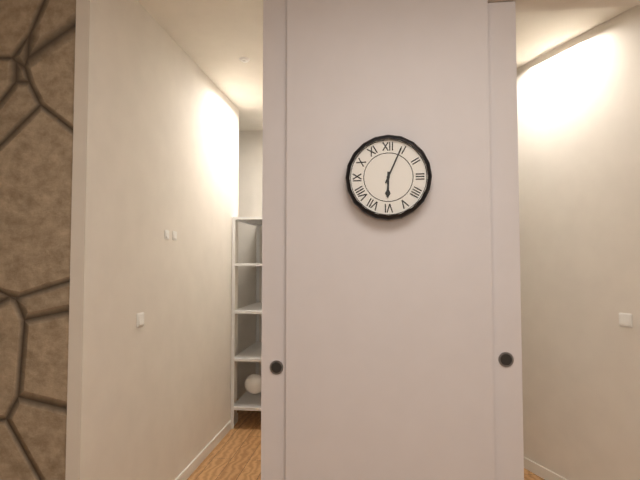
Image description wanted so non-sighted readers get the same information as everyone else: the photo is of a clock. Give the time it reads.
6:04
